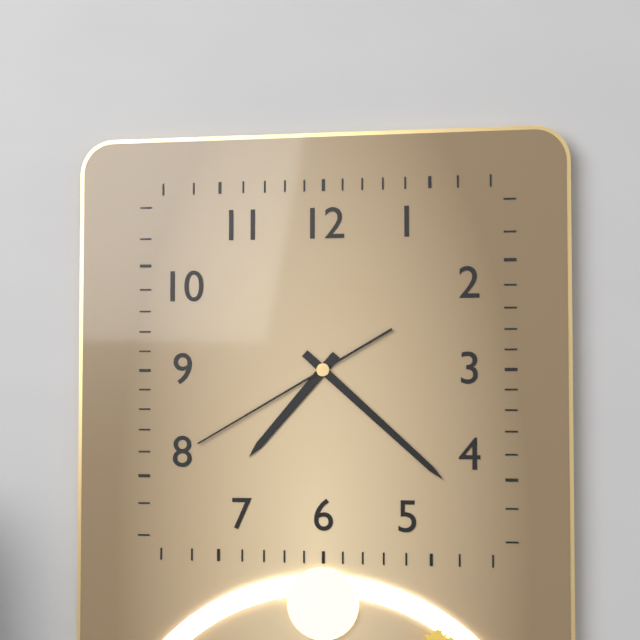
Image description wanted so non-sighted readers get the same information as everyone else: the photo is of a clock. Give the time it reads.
7:22:40
